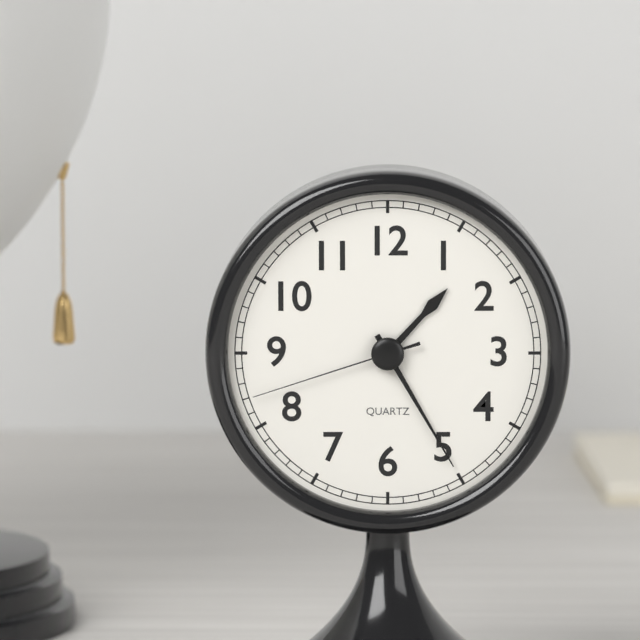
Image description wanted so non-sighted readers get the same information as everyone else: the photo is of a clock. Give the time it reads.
1:25:42
